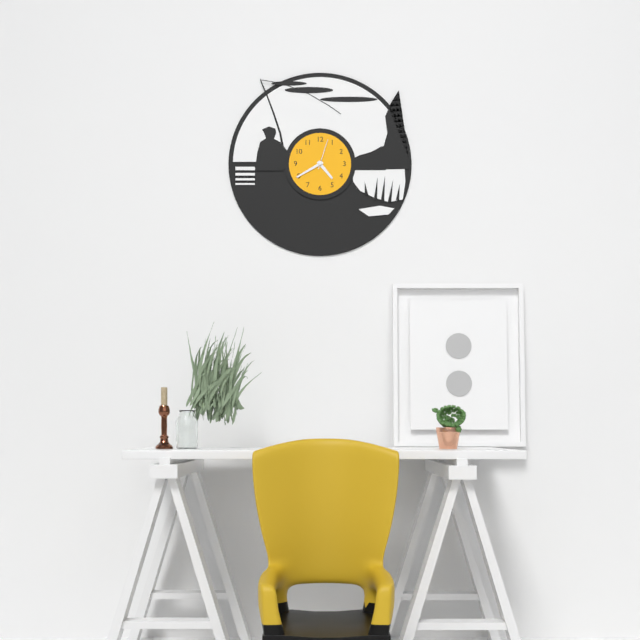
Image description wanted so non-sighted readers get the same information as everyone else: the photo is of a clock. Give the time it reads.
4:40
